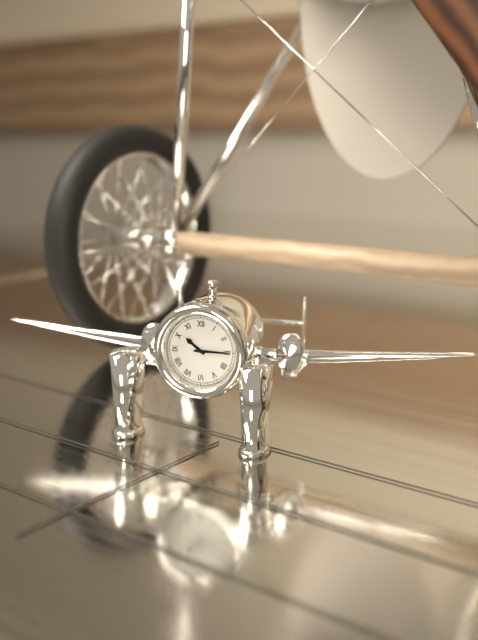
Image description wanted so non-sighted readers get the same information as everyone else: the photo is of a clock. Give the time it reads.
10:15
